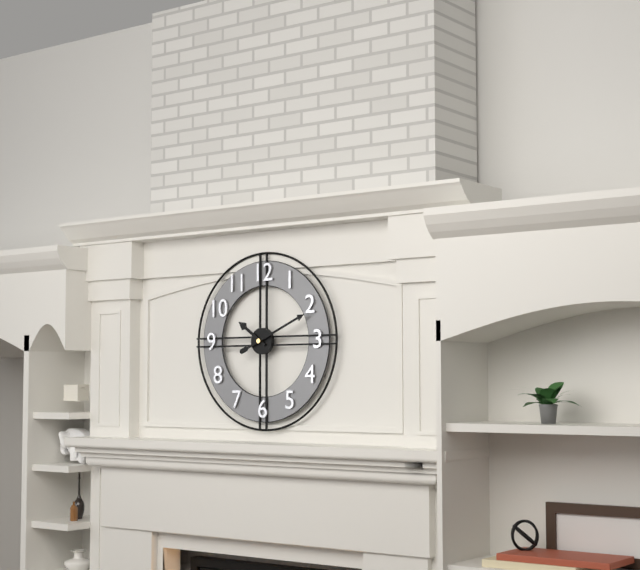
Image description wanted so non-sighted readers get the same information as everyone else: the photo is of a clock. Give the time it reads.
10:11
